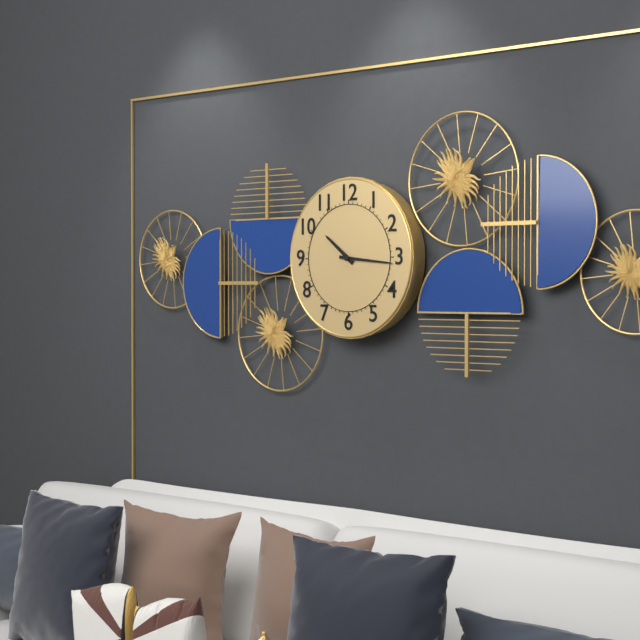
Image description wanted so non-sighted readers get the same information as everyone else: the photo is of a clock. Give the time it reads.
10:16
